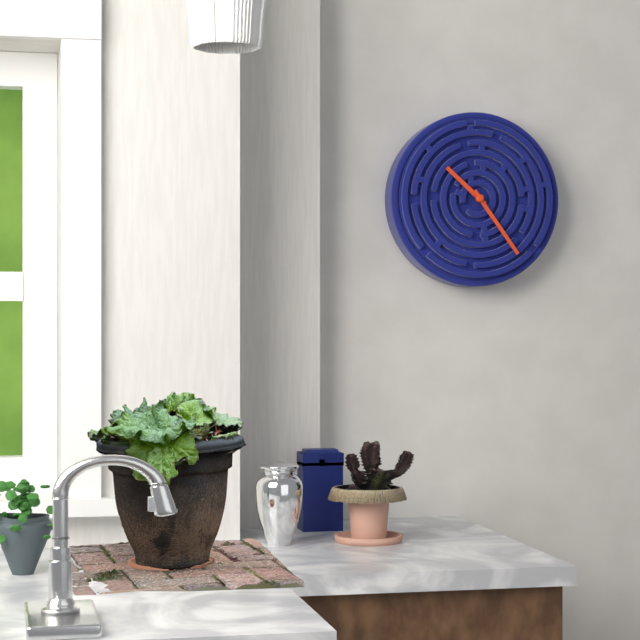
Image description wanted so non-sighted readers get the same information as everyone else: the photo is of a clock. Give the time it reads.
10:24
